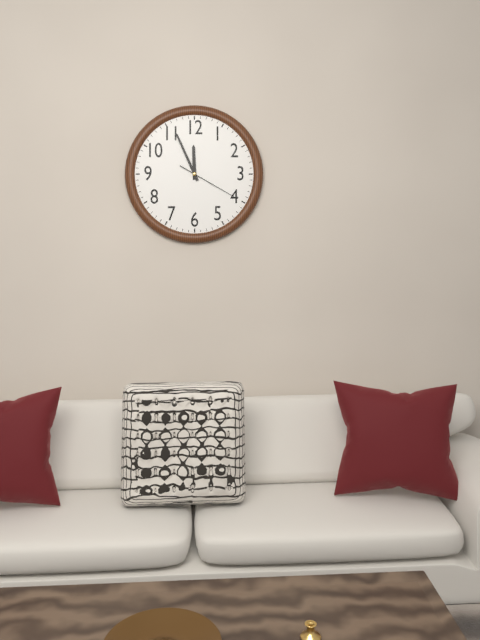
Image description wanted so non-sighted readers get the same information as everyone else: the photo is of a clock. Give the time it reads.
11:56:20
